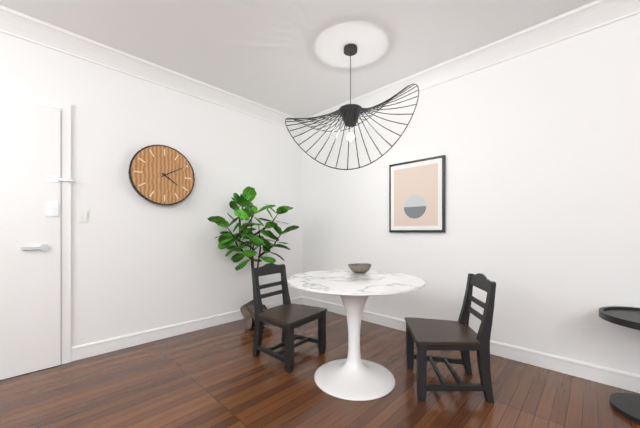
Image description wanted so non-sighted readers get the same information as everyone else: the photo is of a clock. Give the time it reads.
4:10
